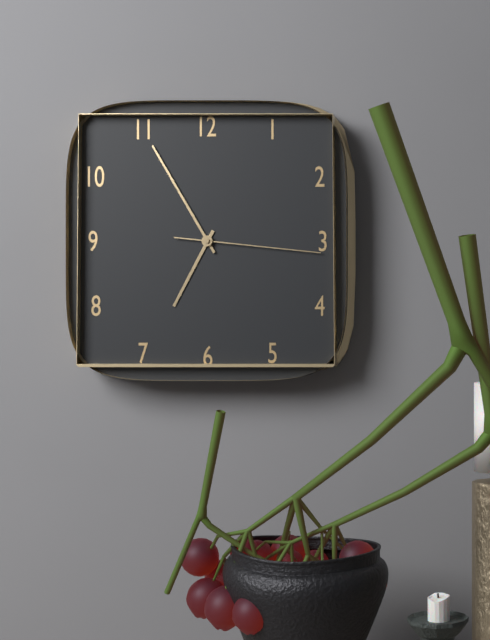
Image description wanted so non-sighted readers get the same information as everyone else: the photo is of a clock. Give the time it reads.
6:55:16
